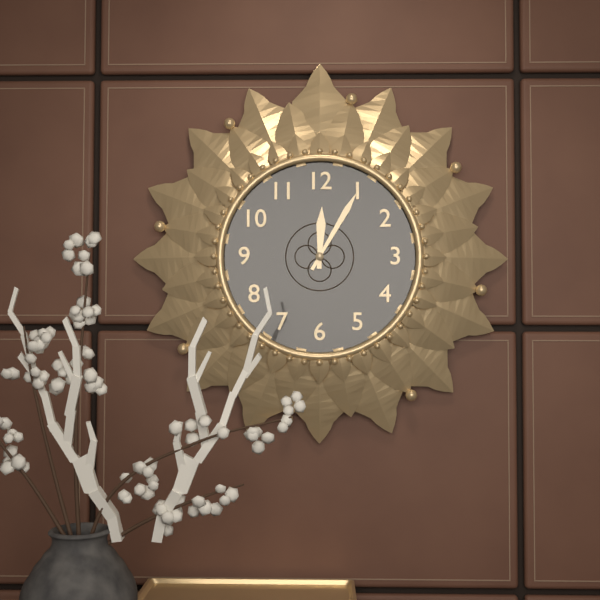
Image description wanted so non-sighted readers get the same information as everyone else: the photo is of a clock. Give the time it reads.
12:05
